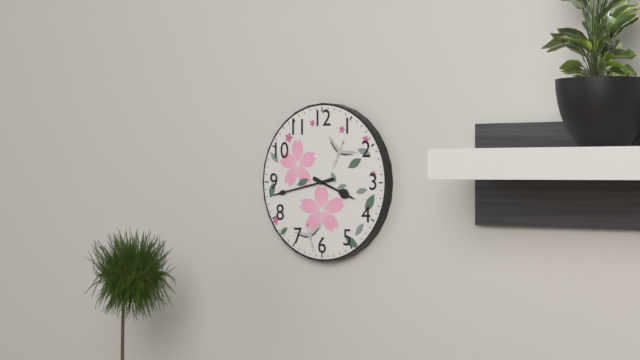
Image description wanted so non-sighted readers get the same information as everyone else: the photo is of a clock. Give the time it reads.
3:43
